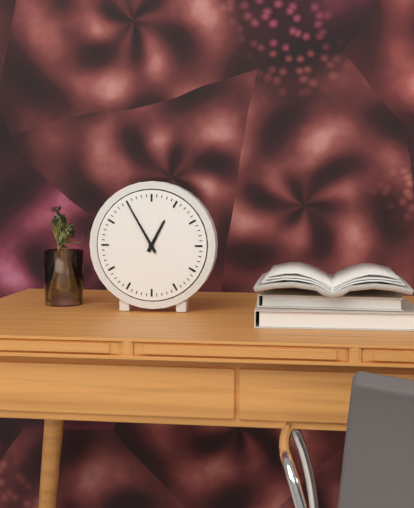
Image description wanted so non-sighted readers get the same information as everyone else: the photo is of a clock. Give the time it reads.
12:55
